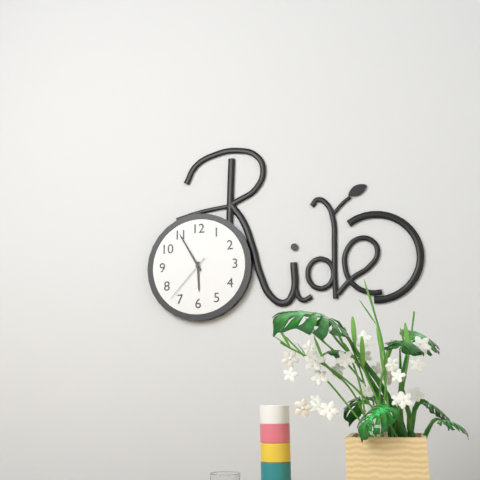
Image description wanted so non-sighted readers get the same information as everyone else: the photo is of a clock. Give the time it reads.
5:55:37
